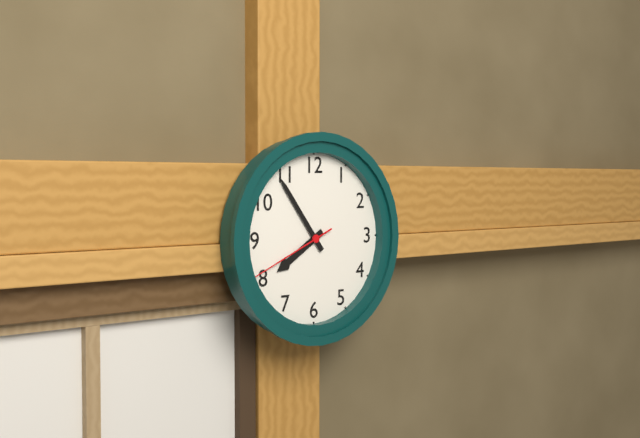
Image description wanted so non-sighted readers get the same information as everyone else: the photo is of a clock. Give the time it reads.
7:54:41
